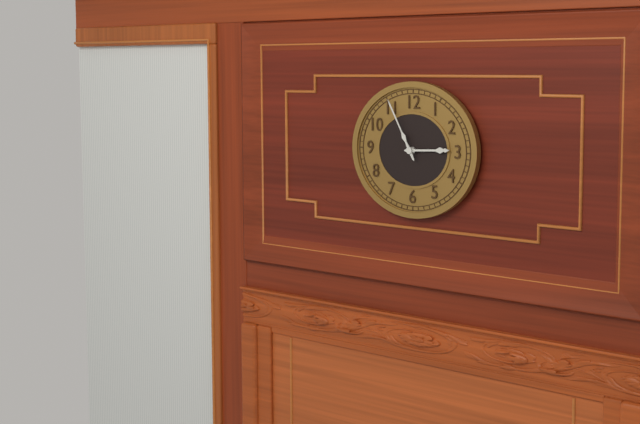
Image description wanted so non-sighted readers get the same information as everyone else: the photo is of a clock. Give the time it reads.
2:55
